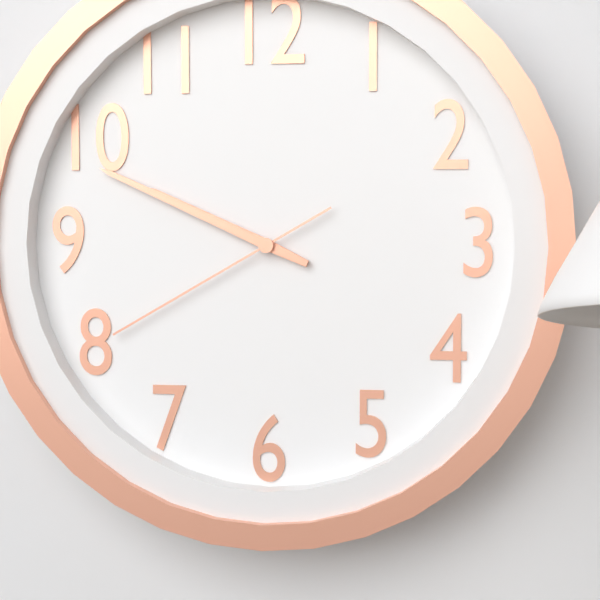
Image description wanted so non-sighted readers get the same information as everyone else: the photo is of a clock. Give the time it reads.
9:49:40
